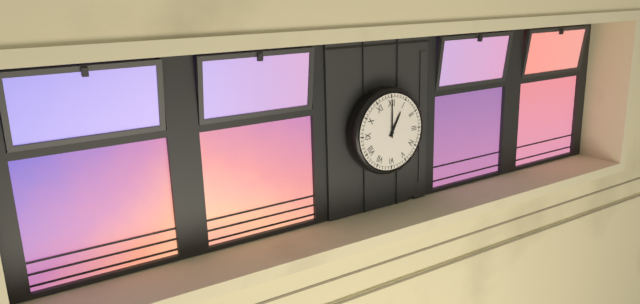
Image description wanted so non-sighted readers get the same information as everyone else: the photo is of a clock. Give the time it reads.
1:00
